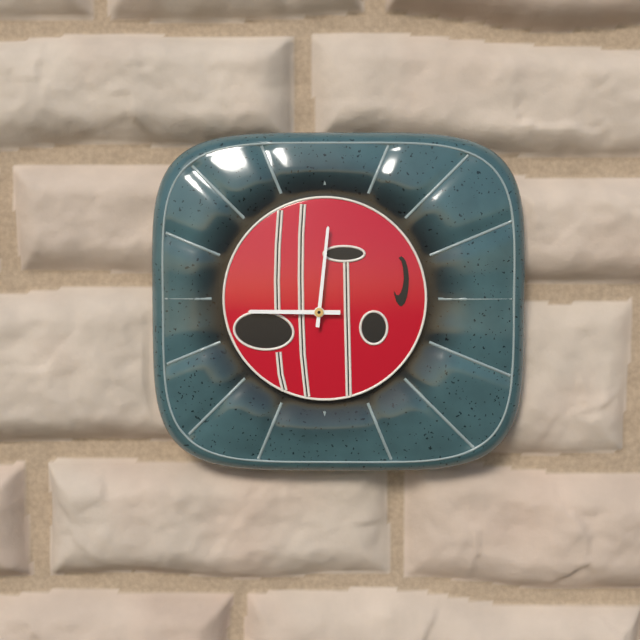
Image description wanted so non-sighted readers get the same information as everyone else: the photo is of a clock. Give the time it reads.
9:01
